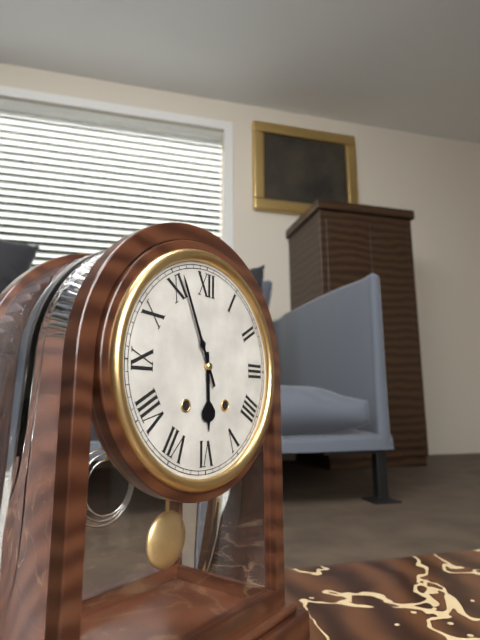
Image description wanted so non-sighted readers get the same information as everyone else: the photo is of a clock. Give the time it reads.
5:56
